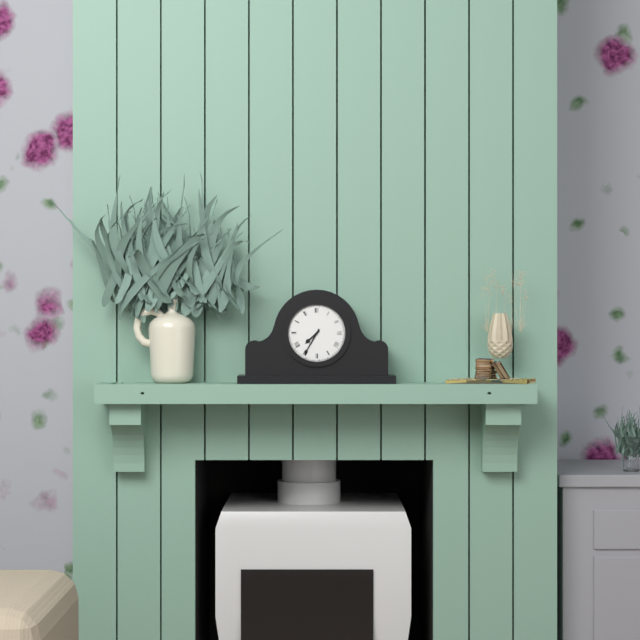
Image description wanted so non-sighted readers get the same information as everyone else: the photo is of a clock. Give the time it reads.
7:35
